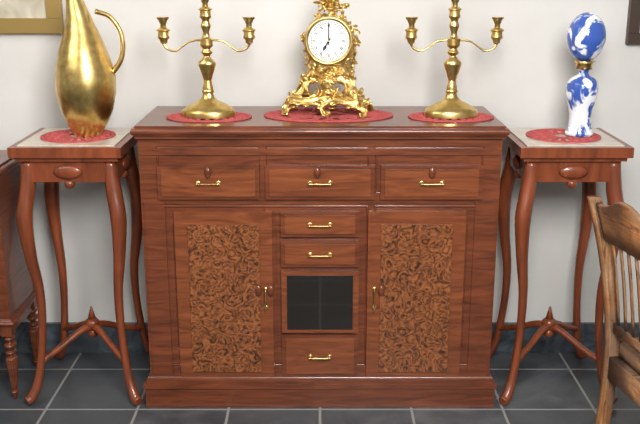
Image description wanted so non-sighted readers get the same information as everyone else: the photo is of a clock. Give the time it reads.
7:00
